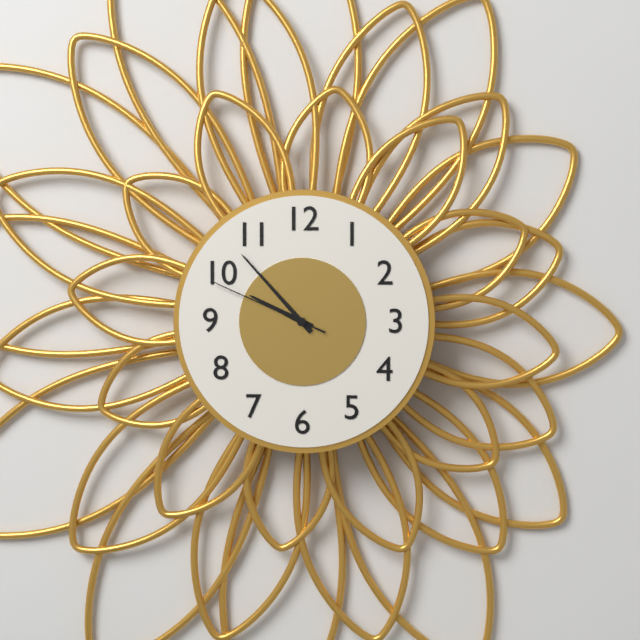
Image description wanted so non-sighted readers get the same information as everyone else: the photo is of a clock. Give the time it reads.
9:53:49
